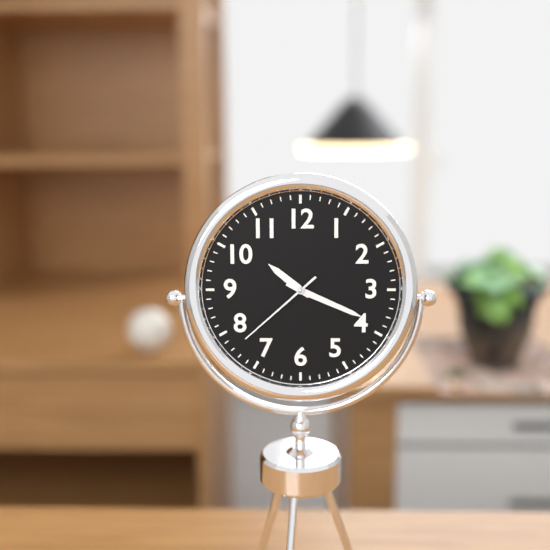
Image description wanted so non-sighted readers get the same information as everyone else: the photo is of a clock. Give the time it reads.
10:19:38
